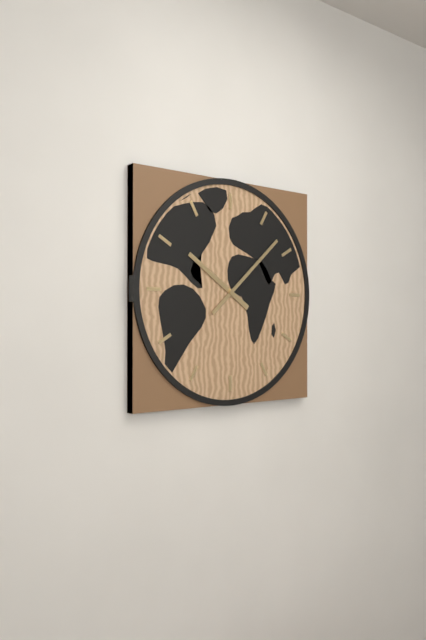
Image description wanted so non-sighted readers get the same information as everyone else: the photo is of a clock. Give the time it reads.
10:08
